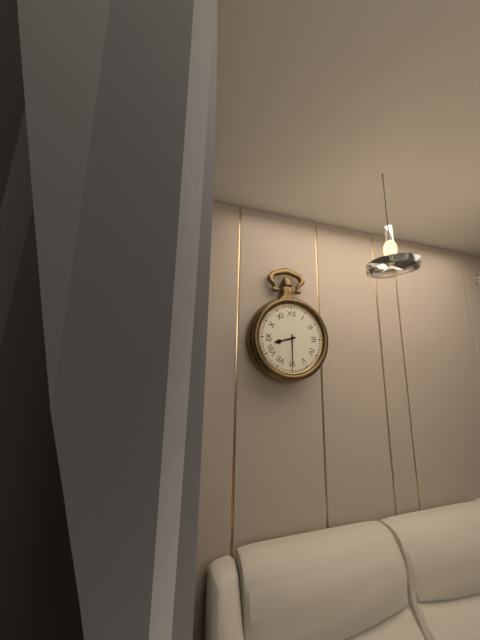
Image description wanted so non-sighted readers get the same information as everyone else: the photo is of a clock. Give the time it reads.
8:30
